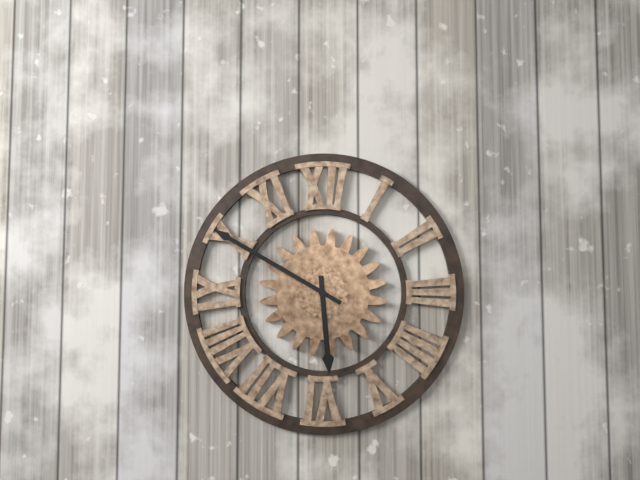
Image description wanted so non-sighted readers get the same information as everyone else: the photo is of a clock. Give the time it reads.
5:50
